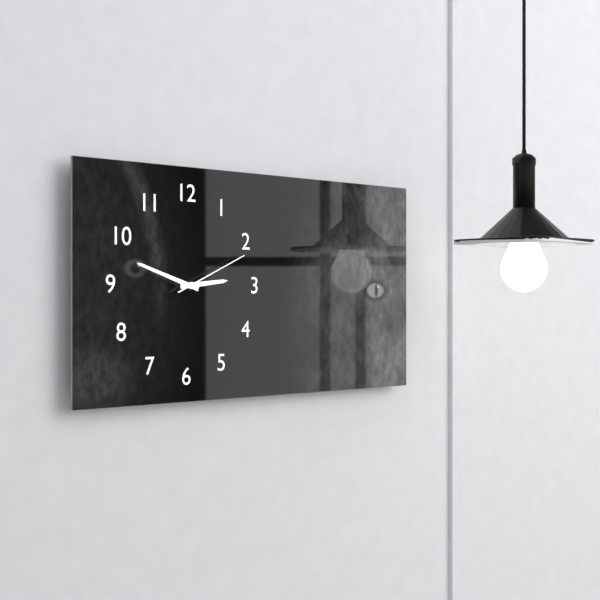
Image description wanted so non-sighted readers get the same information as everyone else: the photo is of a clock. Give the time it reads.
2:48:11
